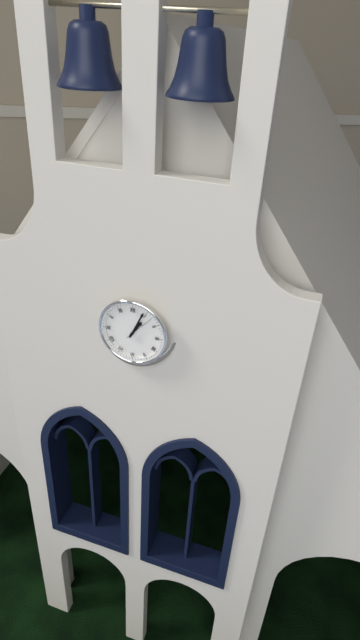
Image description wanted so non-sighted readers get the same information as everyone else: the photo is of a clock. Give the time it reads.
1:04
